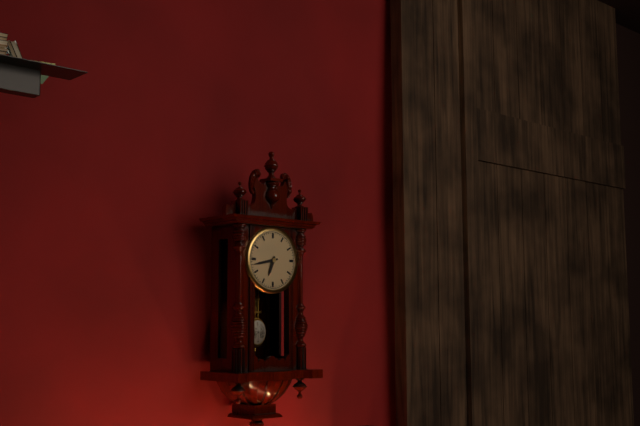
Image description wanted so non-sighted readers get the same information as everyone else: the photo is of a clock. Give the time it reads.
6:43
